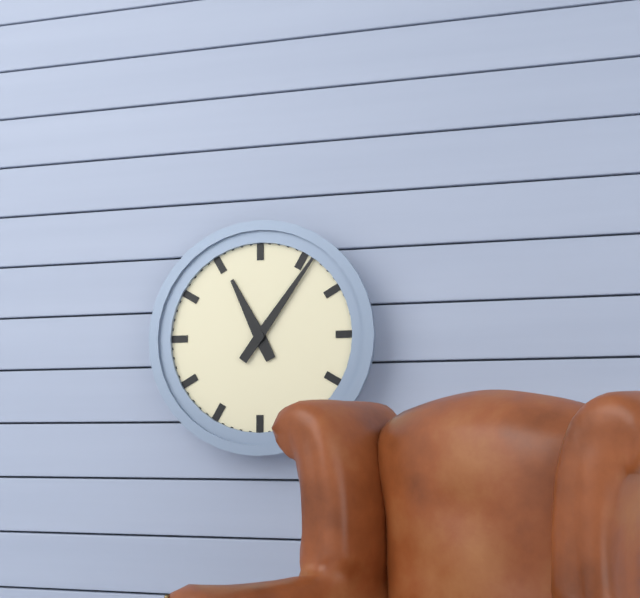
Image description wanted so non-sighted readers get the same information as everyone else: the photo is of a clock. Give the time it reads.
11:06
